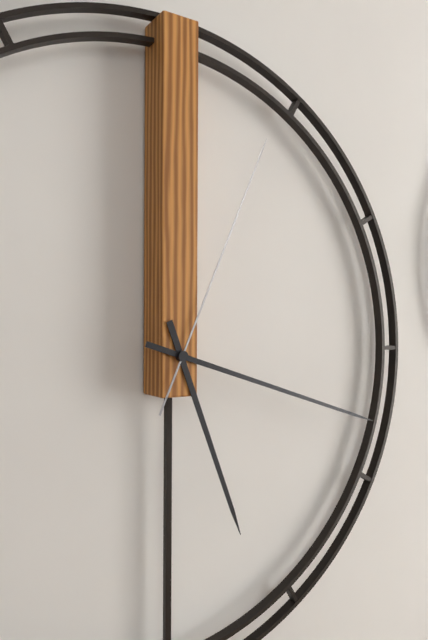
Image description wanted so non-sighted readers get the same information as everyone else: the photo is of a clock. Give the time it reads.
5:18:04
